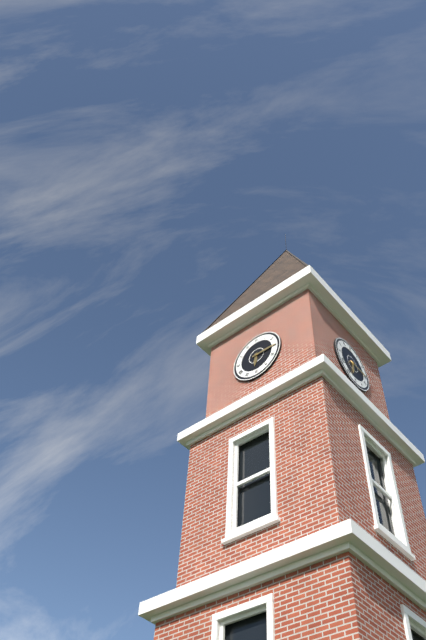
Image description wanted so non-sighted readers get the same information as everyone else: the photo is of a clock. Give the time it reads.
6:15
